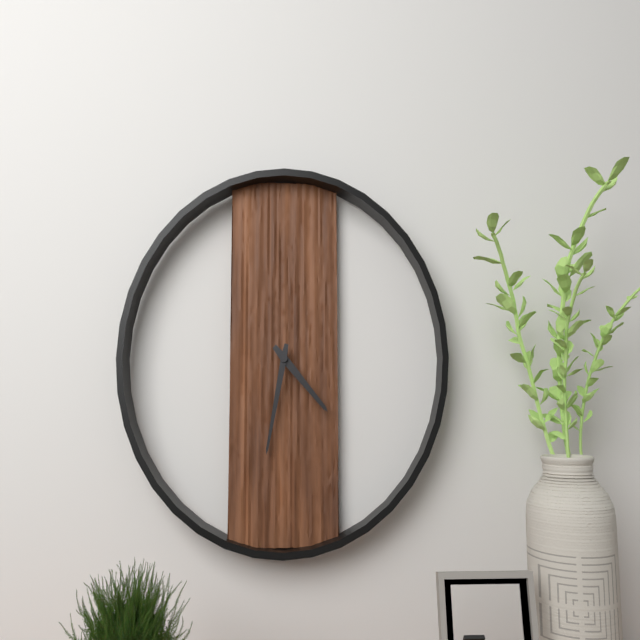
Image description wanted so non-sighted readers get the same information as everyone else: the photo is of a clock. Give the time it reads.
4:32
